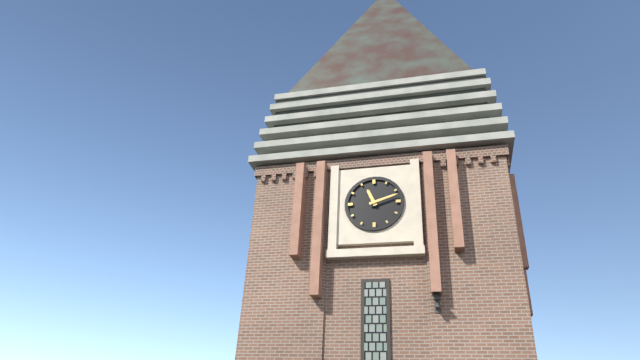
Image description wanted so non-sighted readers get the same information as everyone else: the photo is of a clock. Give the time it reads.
11:12
